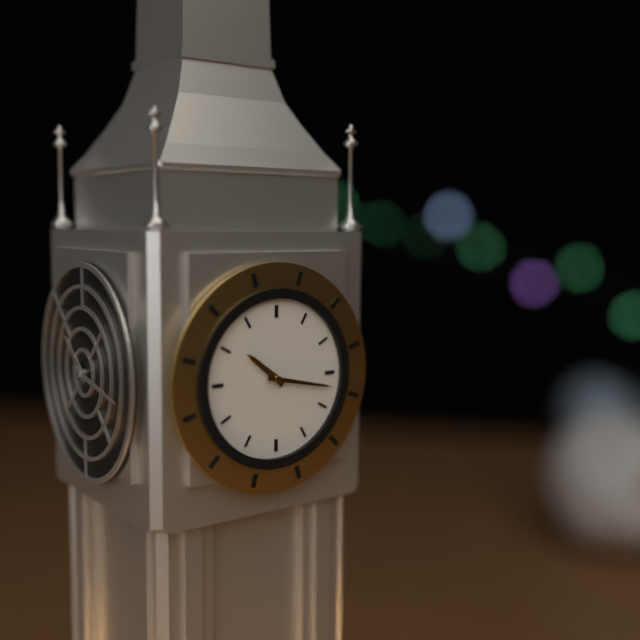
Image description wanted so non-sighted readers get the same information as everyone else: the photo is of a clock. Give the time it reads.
10:17
